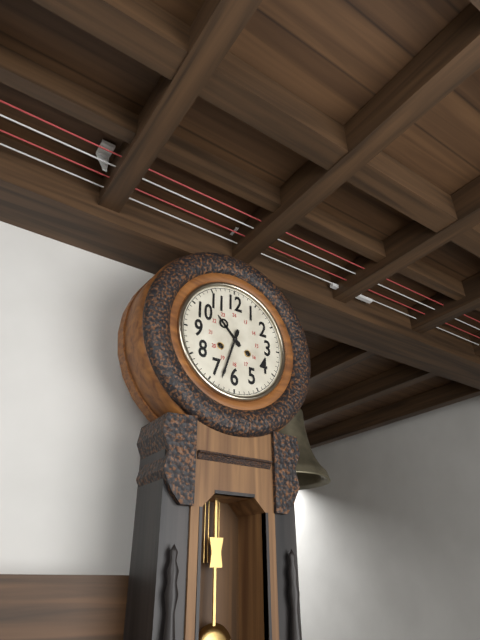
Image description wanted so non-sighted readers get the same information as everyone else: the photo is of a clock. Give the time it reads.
10:33
